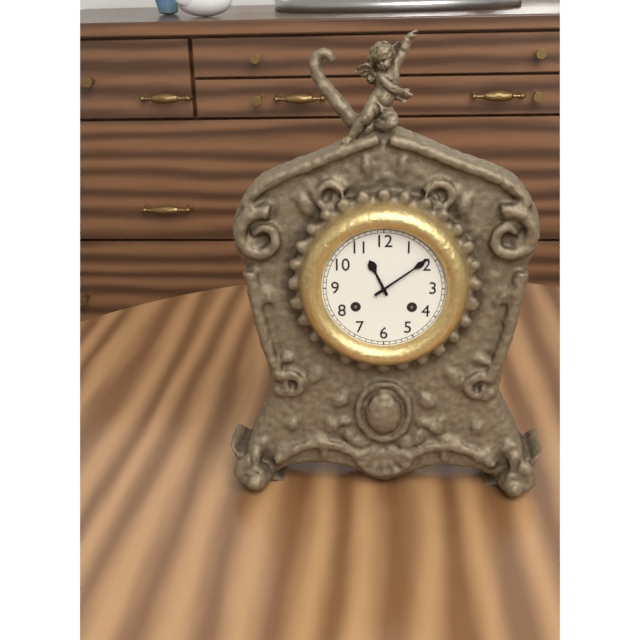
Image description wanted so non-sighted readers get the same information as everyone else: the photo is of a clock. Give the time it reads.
11:09
